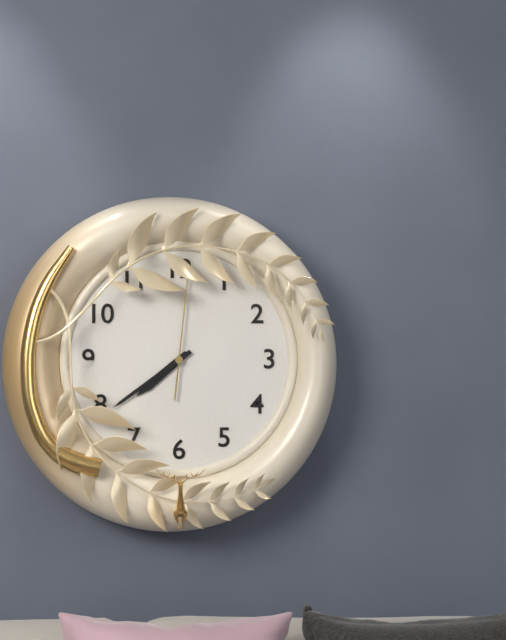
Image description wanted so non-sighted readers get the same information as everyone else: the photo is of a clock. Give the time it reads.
7:39:01
